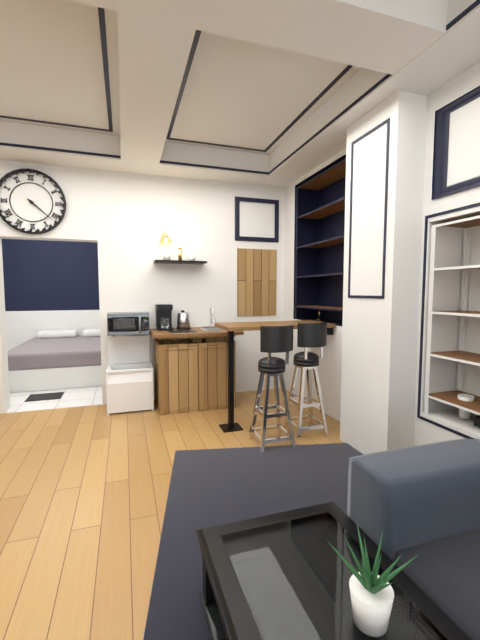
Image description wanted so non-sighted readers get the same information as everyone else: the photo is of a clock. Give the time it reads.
4:22
